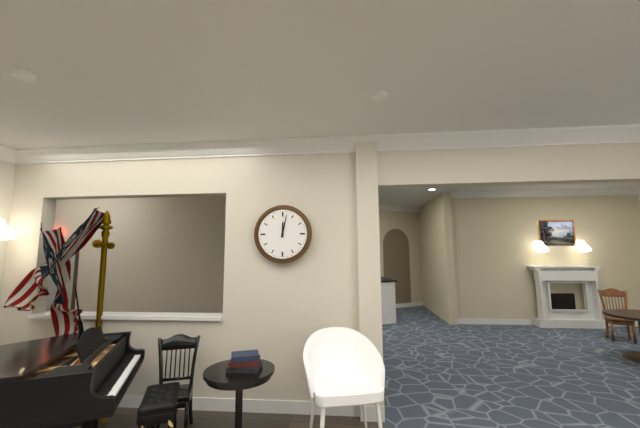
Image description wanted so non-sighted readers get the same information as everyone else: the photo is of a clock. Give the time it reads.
12:02
